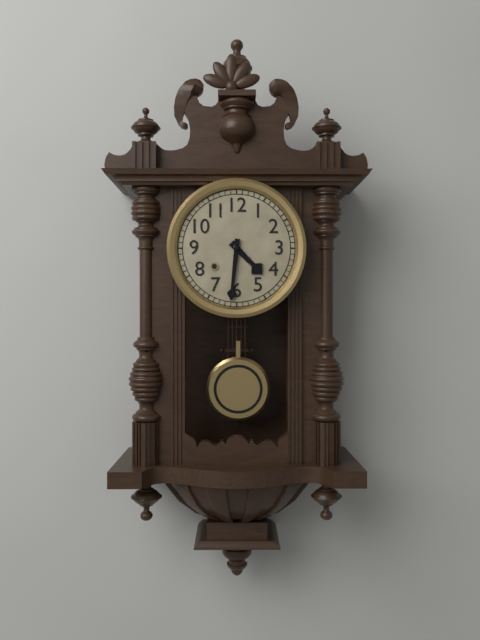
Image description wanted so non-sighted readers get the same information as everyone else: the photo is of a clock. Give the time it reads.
4:31
